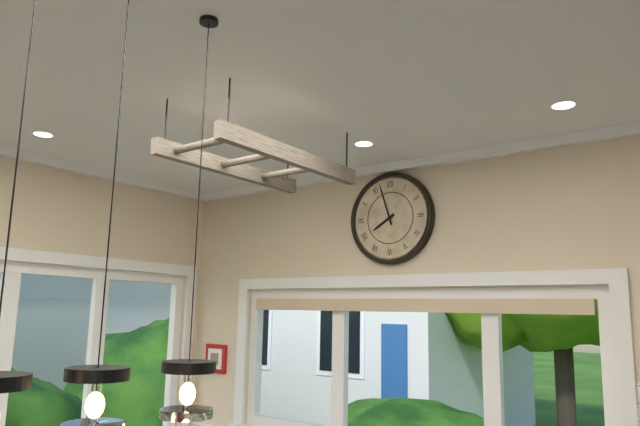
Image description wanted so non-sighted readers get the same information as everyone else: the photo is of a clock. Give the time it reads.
7:57
